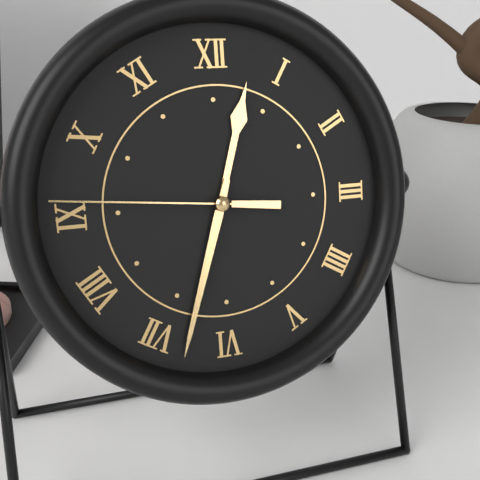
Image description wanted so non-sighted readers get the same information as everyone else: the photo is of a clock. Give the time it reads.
12:33:46
